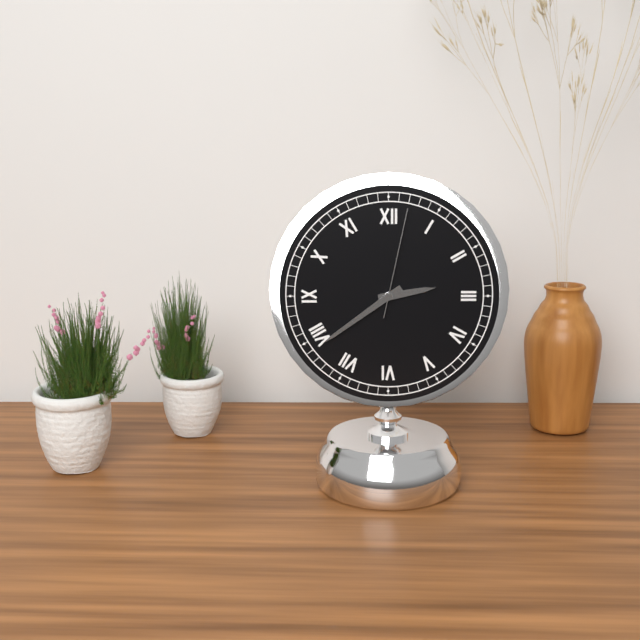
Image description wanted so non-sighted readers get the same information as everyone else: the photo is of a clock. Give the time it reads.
2:39:02
